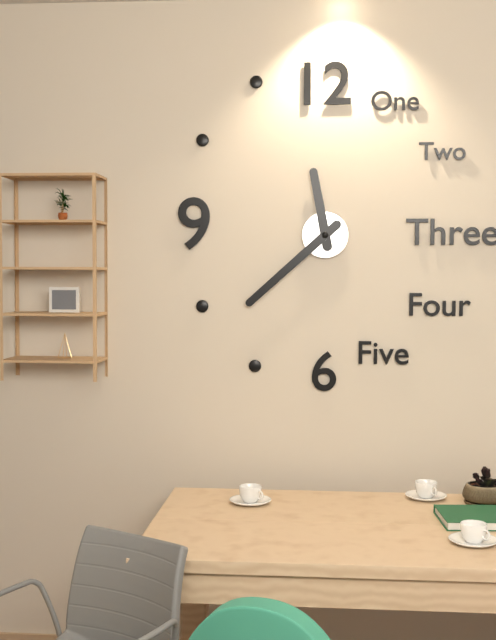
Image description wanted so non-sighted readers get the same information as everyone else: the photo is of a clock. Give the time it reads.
11:38
